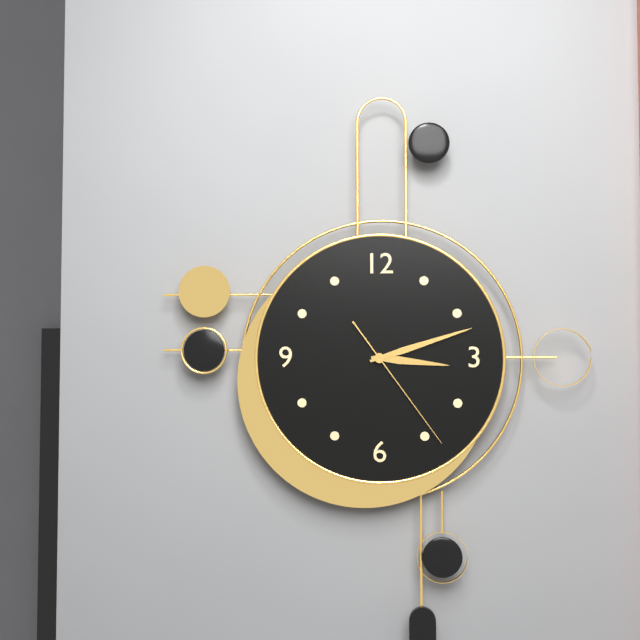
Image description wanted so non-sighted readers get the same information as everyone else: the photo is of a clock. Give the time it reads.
3:12:24
